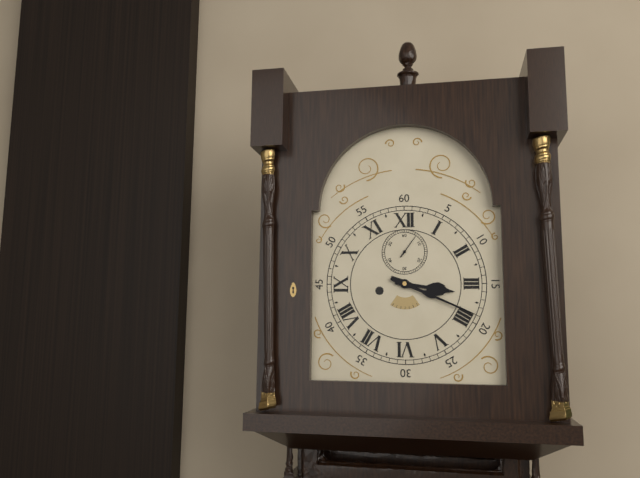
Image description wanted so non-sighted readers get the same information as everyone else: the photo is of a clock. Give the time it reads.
3:19
